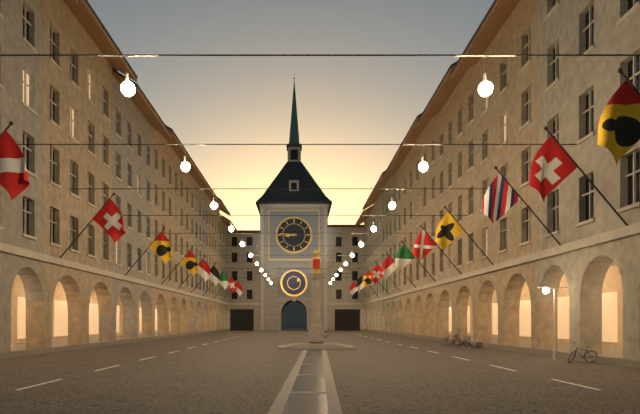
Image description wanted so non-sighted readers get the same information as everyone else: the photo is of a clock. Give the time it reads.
8:46
